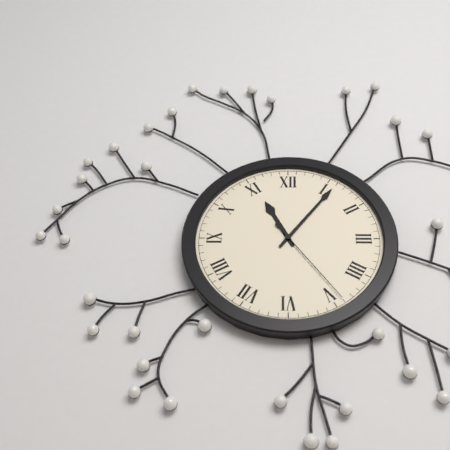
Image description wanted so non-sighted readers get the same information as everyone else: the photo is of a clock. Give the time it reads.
11:06:24
